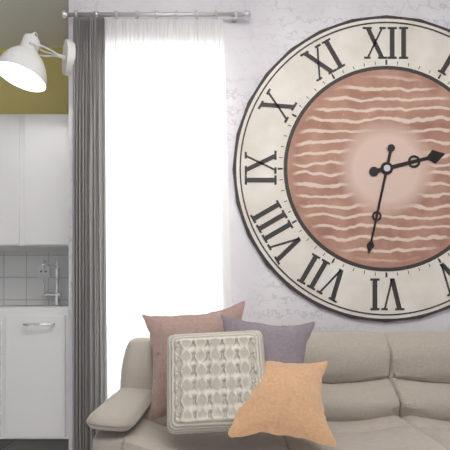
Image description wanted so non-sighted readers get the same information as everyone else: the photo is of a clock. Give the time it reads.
2:32
